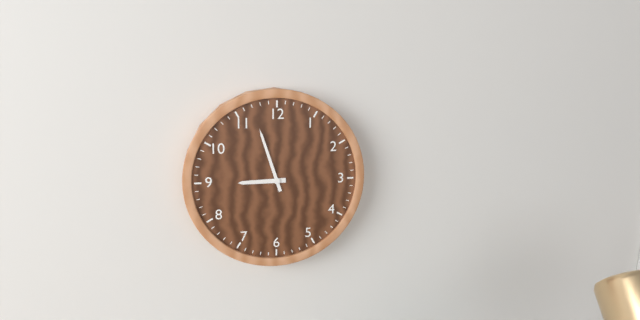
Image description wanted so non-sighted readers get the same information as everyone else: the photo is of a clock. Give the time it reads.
8:57
